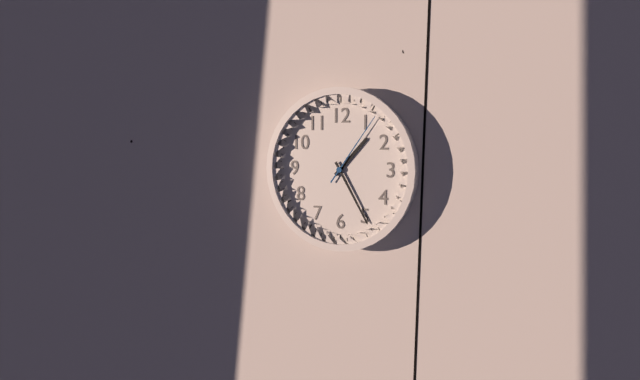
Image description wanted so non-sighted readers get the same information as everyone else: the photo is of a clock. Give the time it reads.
1:25:06
